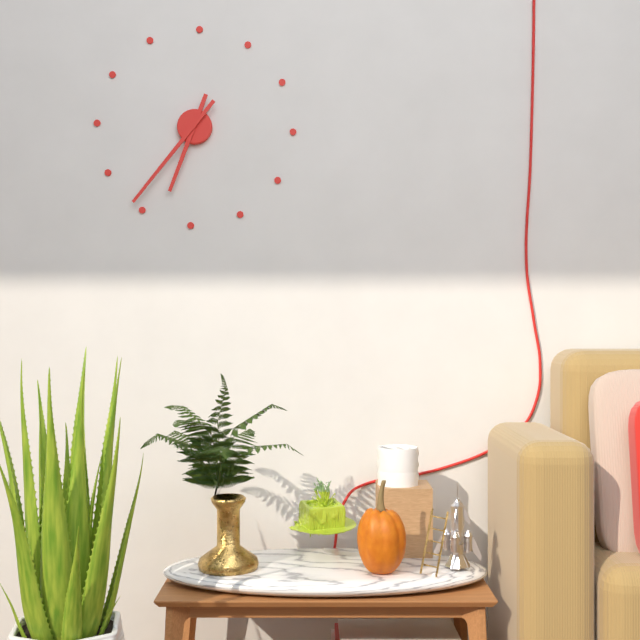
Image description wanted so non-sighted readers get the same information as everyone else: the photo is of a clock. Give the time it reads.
6:36
